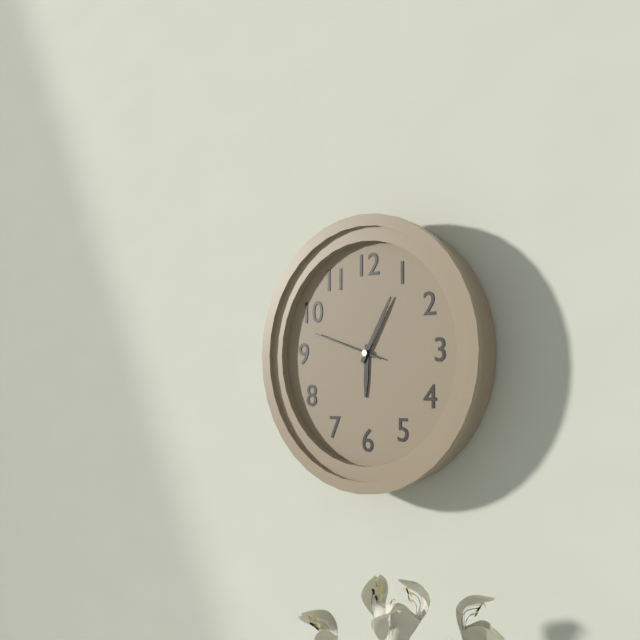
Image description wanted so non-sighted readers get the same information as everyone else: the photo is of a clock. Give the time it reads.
6:05:48
